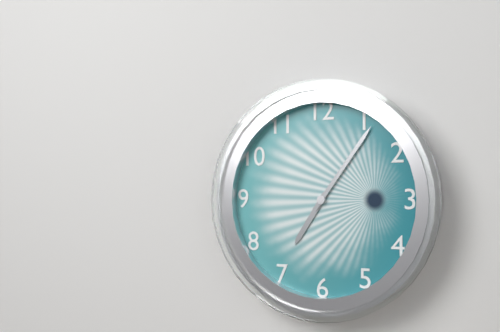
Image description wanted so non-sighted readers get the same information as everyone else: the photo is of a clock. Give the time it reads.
7:06
